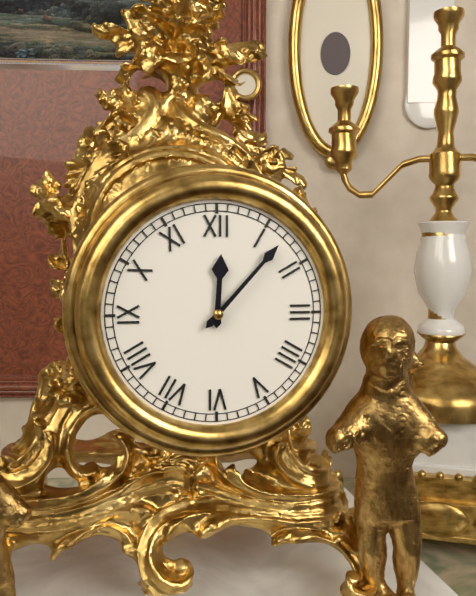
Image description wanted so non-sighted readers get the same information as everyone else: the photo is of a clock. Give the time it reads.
12:07
